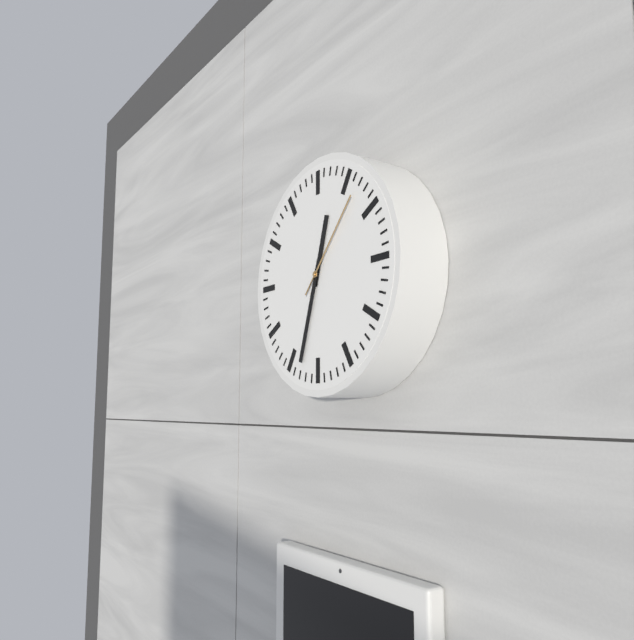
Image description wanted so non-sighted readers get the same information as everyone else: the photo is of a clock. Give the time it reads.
12:33:07
